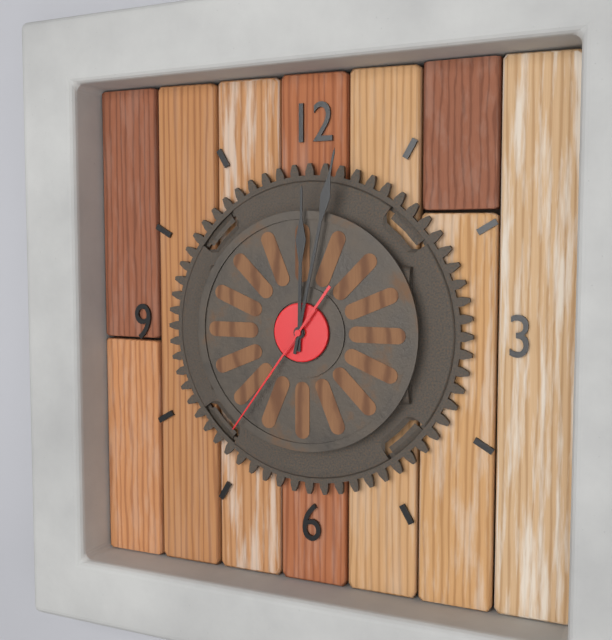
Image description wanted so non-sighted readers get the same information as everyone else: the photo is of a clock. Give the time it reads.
12:02:36
